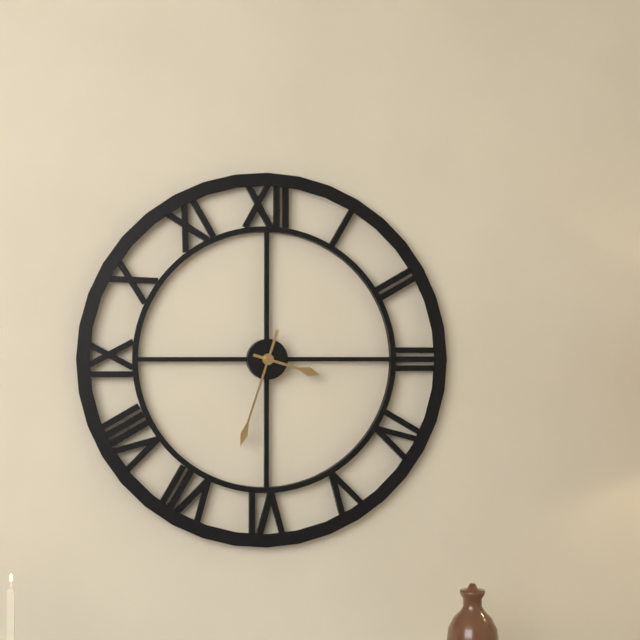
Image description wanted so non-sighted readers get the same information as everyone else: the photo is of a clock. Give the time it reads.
3:33
